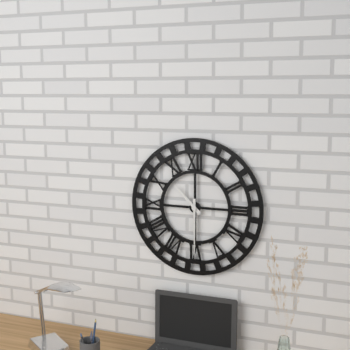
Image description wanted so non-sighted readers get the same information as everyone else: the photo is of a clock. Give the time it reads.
10:30
